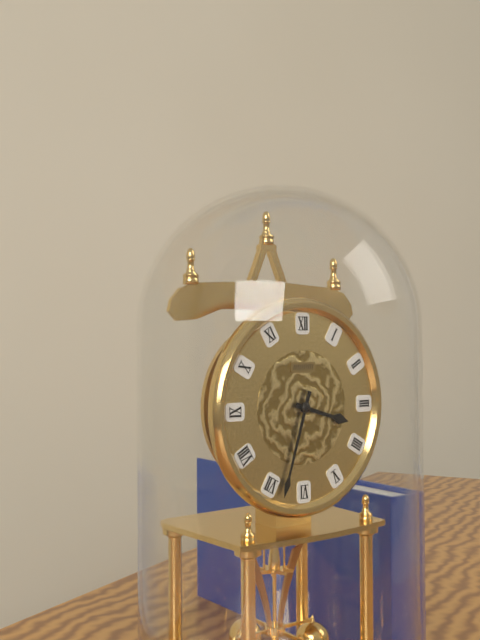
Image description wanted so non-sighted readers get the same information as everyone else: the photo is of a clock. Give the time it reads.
3:33
